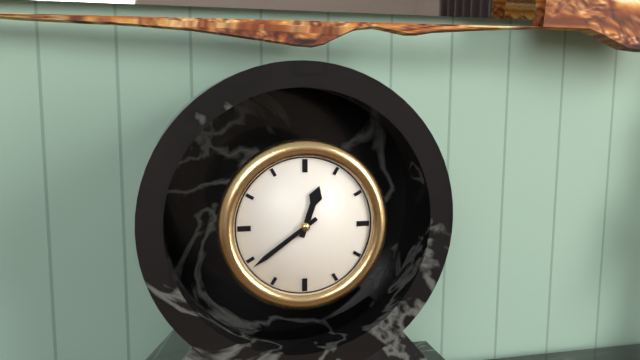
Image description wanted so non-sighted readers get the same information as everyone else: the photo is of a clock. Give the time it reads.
12:39
